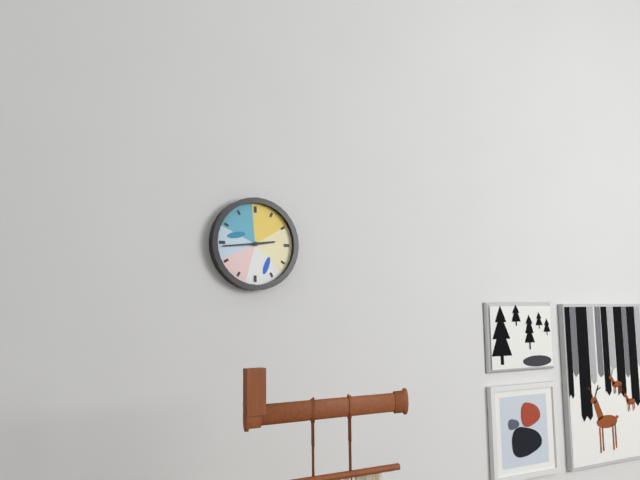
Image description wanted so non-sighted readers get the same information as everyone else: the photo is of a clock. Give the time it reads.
2:44
